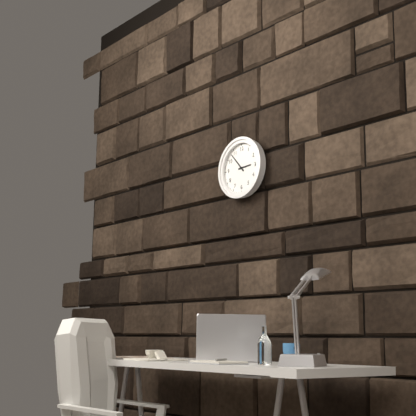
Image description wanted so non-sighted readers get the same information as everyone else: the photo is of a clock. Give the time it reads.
2:53
